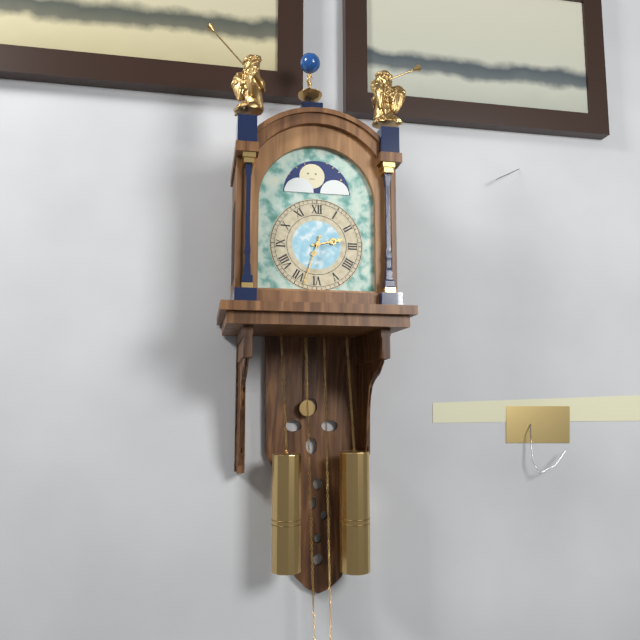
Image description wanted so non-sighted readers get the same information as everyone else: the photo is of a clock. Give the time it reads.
2:33
